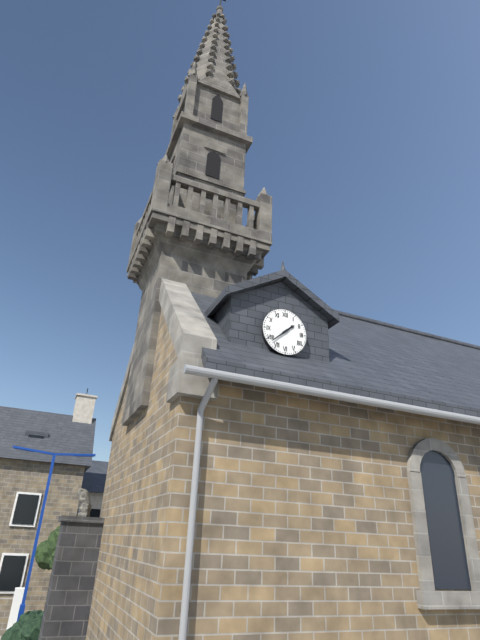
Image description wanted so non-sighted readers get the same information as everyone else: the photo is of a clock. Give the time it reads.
1:38
